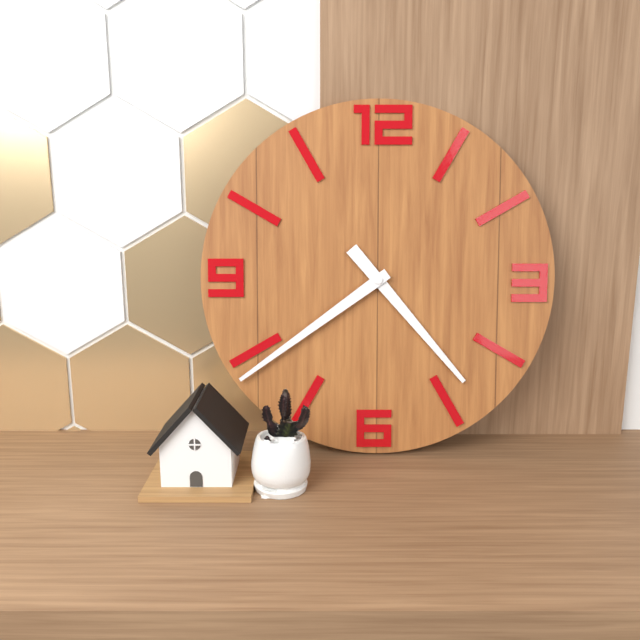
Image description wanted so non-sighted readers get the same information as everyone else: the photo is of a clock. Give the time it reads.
4:39
